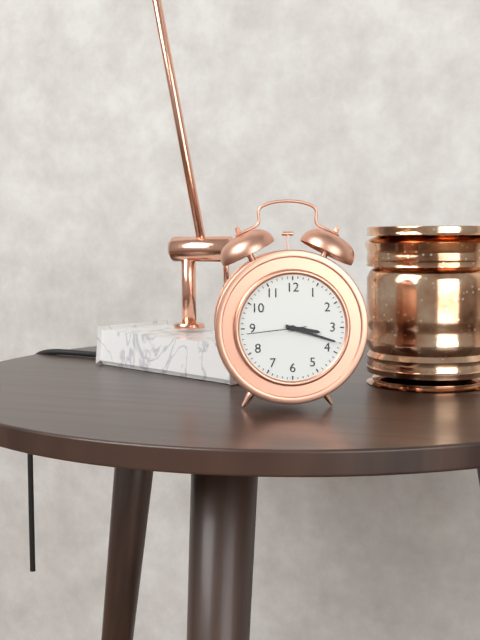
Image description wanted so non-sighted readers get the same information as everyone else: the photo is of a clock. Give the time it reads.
3:18:44
